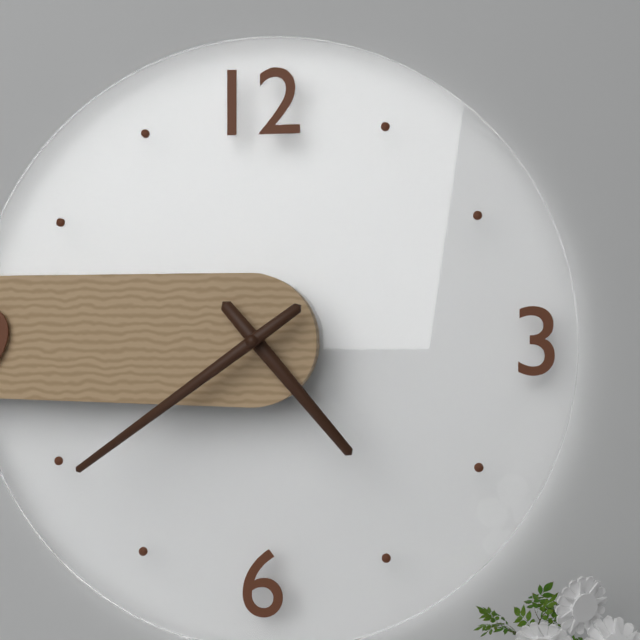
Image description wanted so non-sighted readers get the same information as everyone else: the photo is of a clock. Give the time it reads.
4:39
